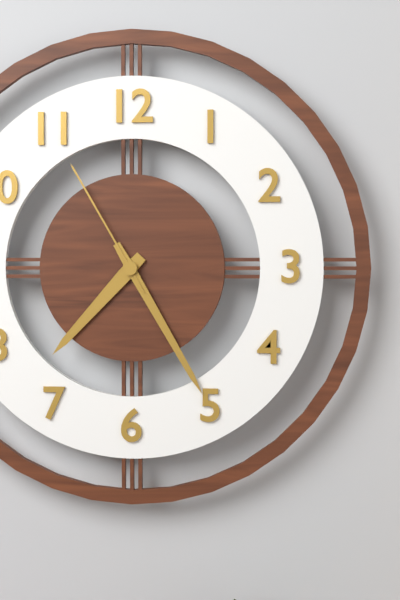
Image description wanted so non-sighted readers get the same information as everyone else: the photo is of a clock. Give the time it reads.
7:25:55
